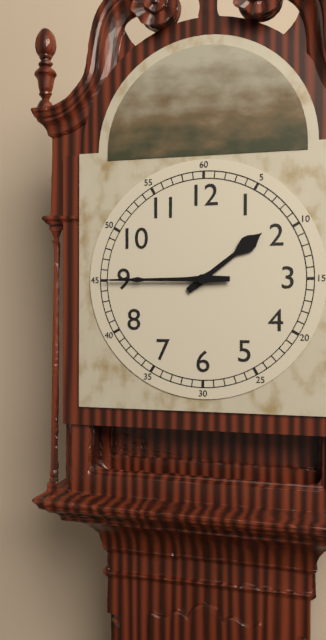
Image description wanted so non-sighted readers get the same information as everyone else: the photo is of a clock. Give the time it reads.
1:45
